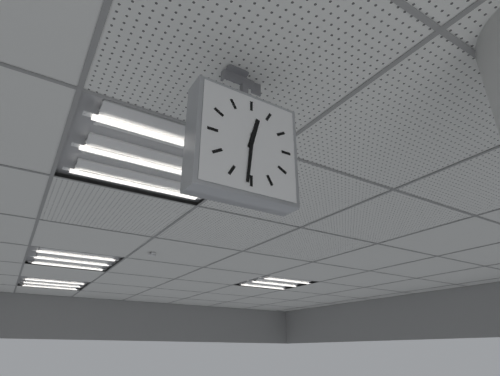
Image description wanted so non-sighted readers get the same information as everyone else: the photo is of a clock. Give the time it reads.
12:31
